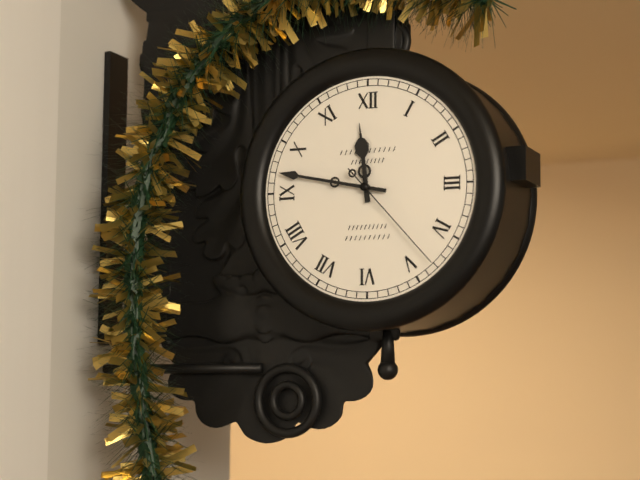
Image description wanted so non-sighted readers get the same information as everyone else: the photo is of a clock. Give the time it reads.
11:47:23
